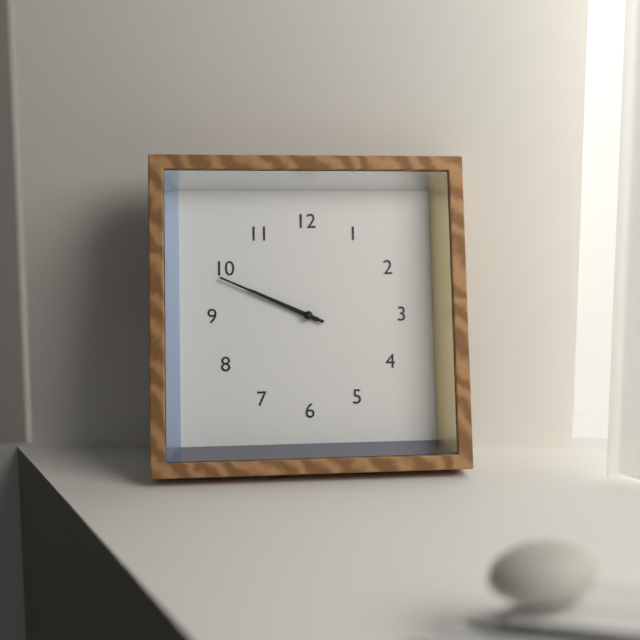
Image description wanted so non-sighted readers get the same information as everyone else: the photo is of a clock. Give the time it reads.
9:49
